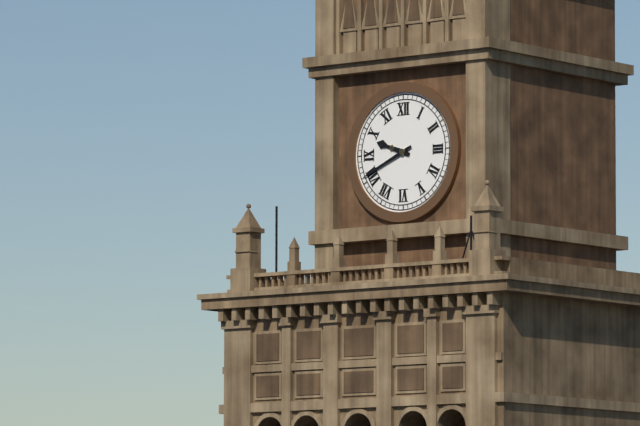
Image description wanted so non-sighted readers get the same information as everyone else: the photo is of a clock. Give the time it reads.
9:41
